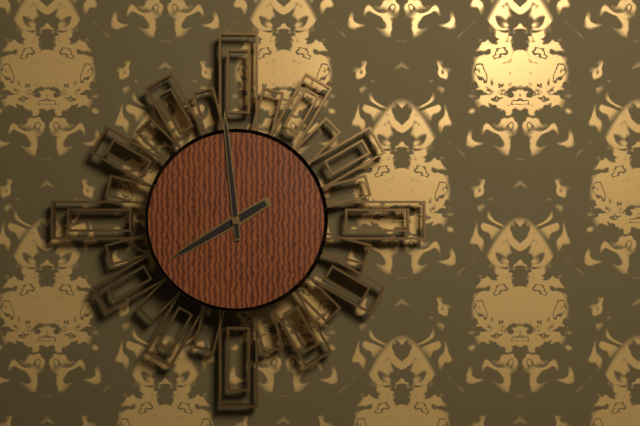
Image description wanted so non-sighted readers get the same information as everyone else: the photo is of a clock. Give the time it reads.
7:59
